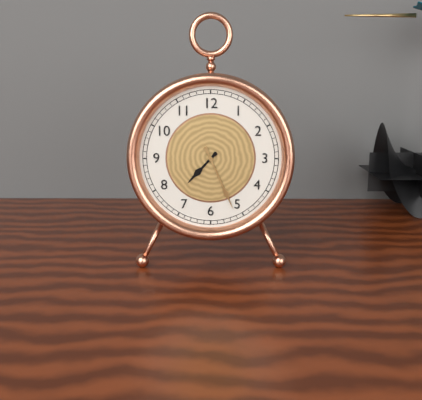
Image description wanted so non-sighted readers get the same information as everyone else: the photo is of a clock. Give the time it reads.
7:26
